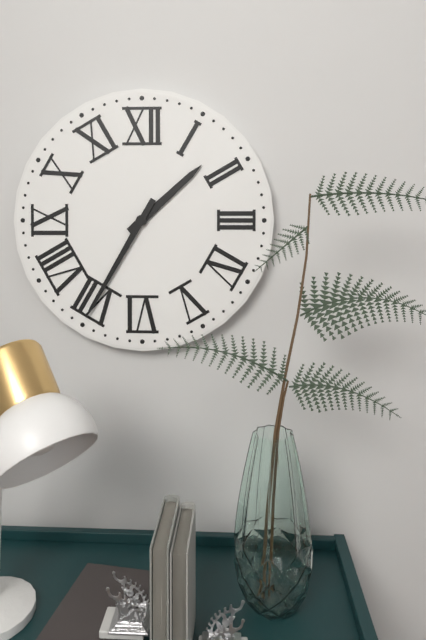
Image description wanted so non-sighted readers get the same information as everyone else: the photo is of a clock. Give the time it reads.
1:35
